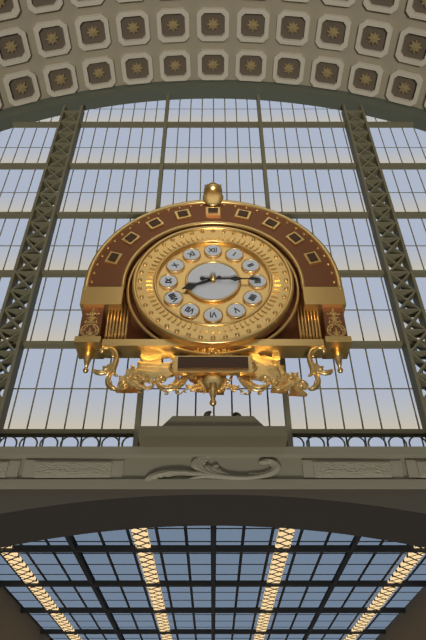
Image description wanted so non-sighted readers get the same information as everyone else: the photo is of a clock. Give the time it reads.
8:15
